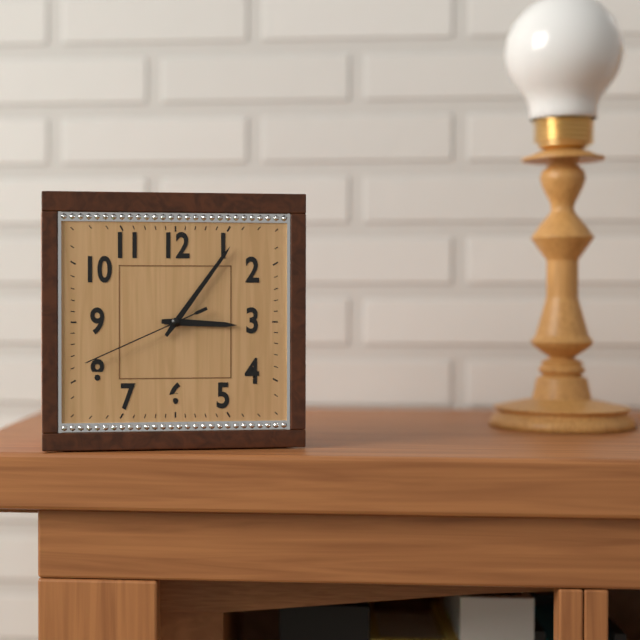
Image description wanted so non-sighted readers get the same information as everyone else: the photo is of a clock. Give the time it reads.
3:06:41
